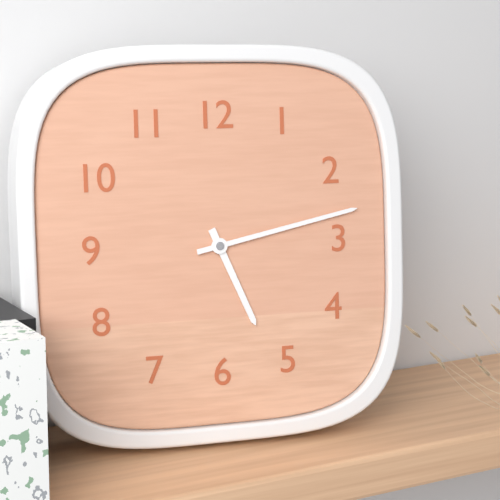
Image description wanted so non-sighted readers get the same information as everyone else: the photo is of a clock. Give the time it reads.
5:13
